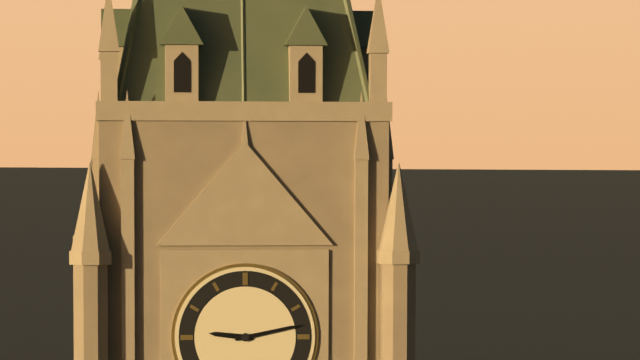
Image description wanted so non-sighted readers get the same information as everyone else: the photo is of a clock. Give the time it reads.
9:13
